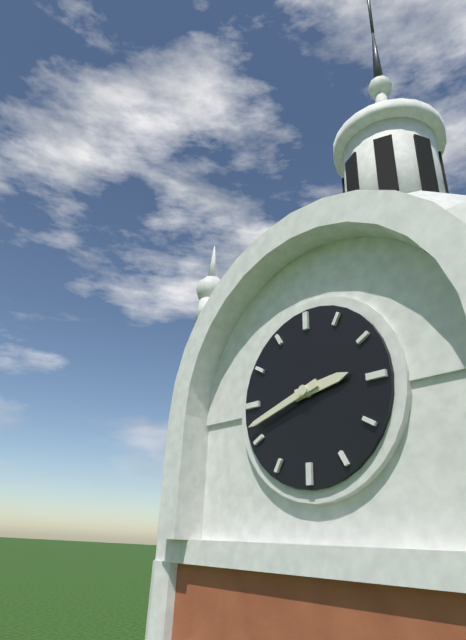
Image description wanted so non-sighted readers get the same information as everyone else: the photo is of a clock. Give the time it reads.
2:42
